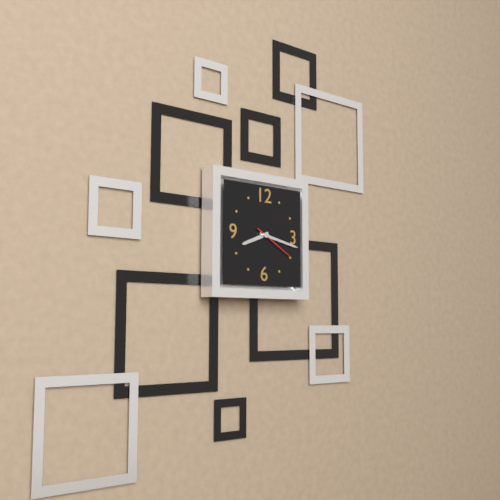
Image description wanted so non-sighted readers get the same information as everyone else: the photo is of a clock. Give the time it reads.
8:17
